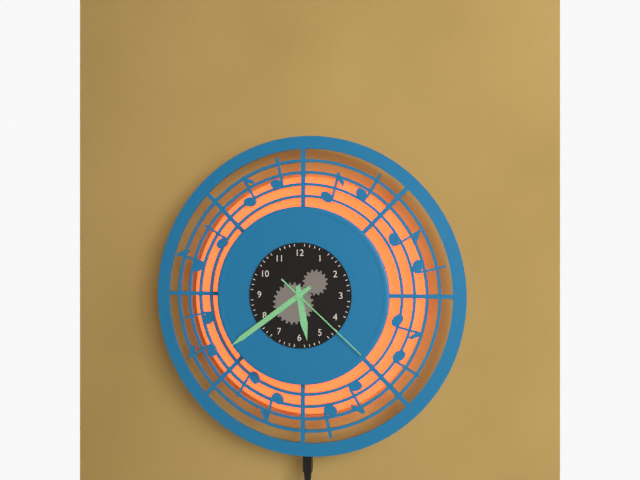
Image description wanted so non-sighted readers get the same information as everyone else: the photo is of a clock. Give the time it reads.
5:39:22
